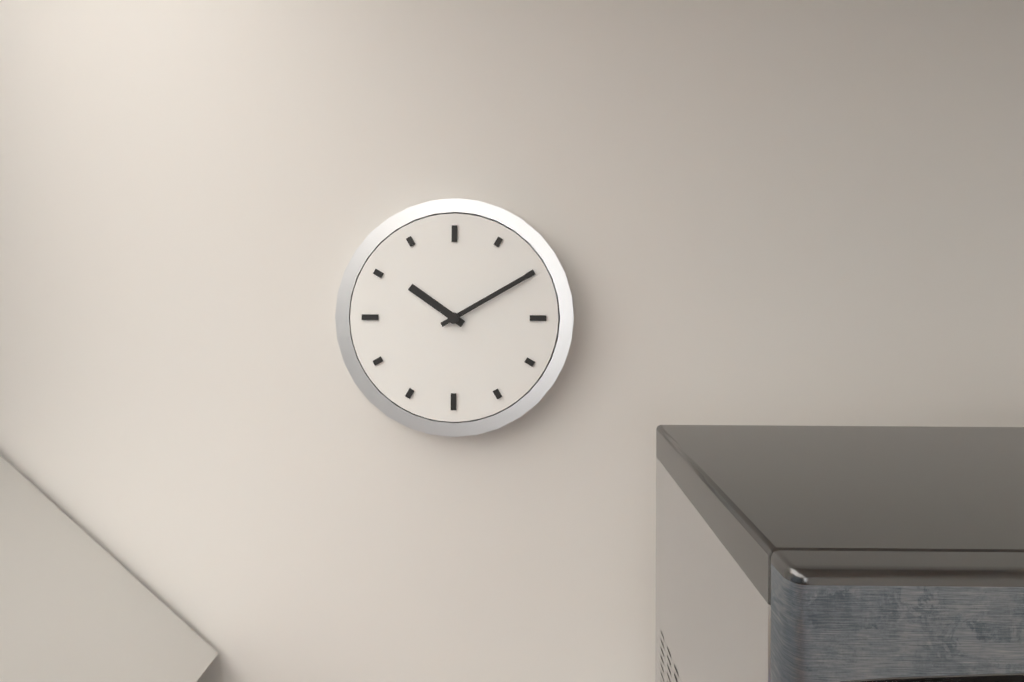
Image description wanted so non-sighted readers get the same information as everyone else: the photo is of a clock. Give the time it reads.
10:10
